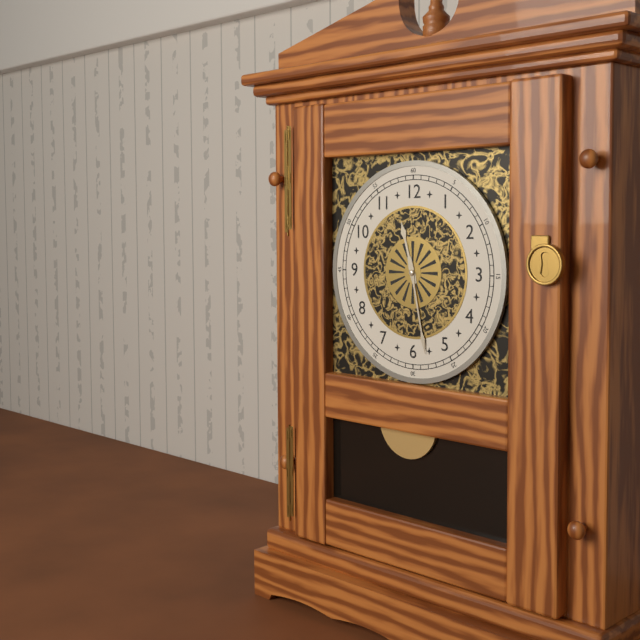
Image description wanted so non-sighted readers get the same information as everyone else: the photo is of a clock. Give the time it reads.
11:28
